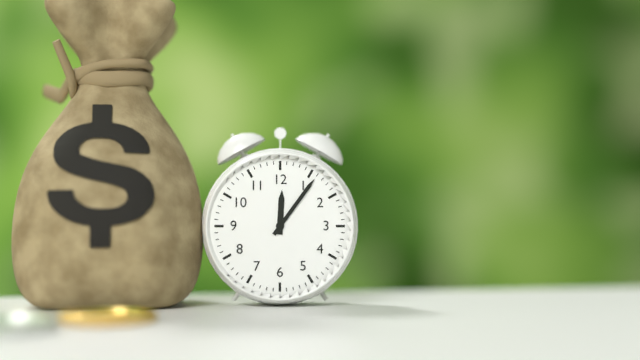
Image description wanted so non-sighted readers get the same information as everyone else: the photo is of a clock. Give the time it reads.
12:06
